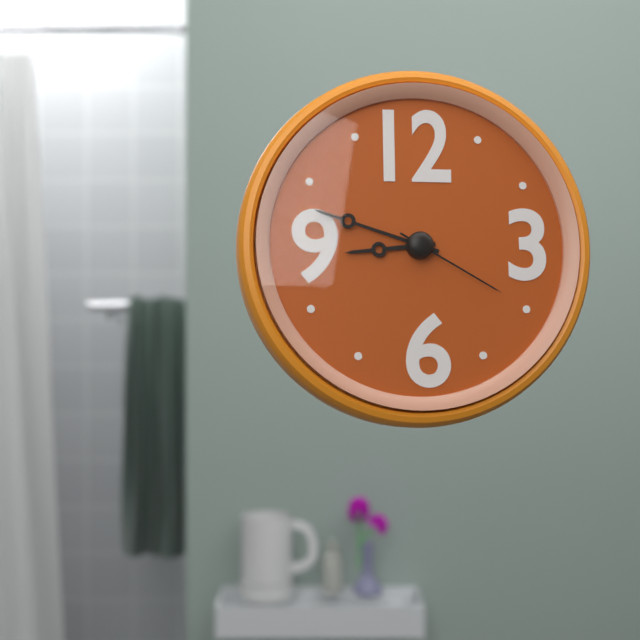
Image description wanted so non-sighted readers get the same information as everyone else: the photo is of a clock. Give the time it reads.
8:48:20
